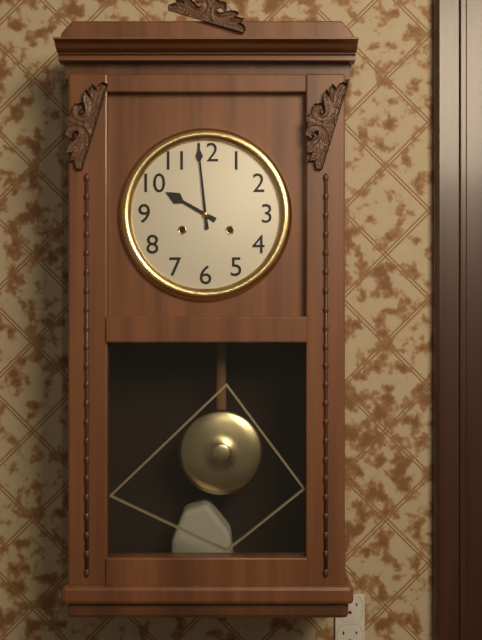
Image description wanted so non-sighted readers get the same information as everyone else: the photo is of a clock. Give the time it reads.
9:59
